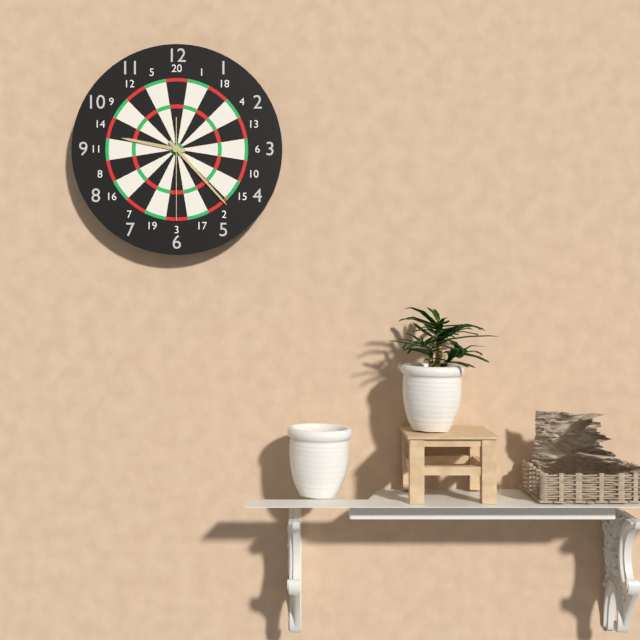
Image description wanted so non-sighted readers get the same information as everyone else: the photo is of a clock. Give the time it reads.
9:23:30
